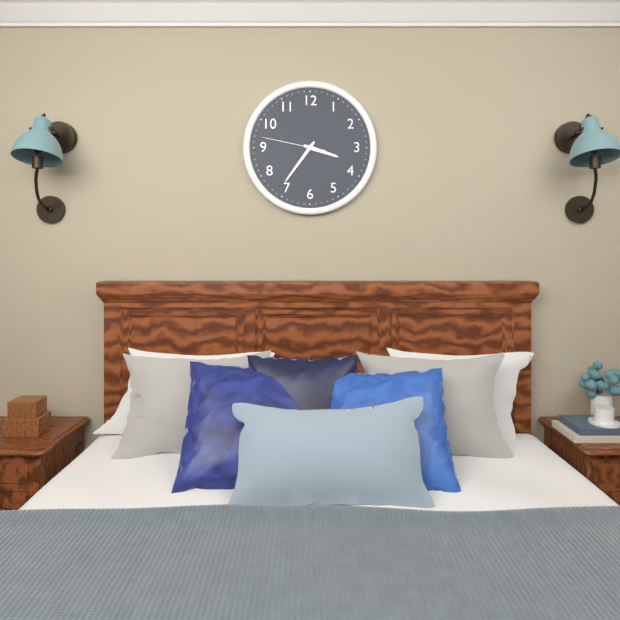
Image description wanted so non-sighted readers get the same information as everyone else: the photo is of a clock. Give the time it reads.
3:36:47
